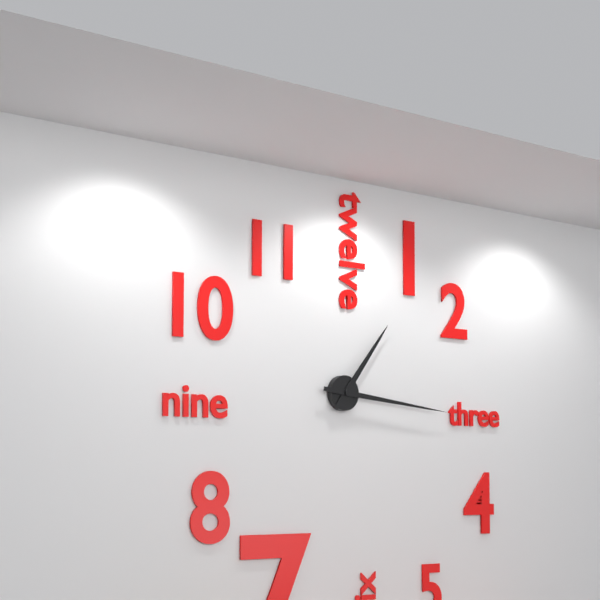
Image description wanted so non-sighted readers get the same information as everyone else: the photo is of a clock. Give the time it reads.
1:16
